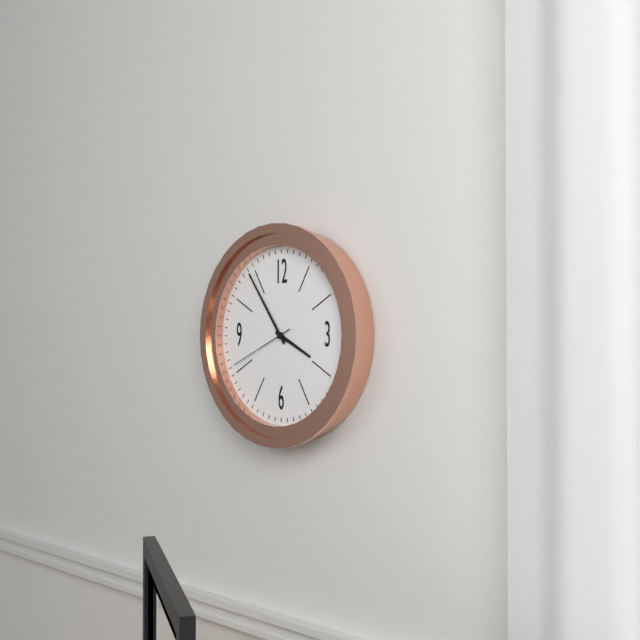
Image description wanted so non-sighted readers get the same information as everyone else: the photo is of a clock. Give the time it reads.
3:54:41
